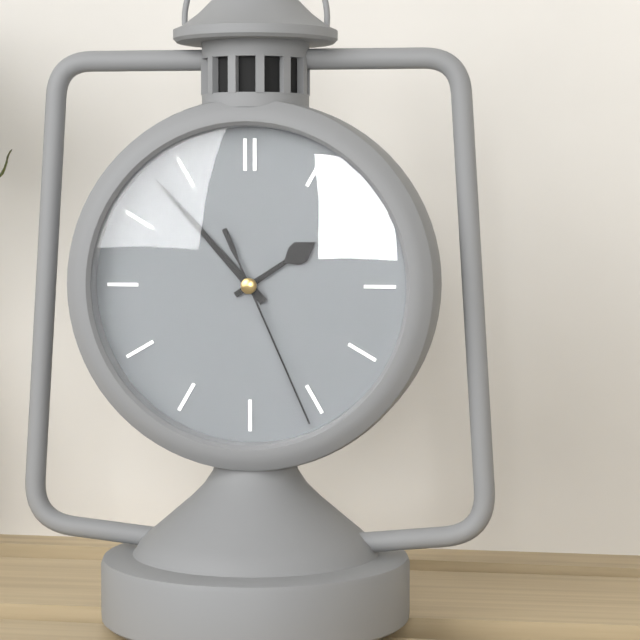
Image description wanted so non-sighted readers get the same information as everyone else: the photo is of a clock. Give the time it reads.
1:53:26
